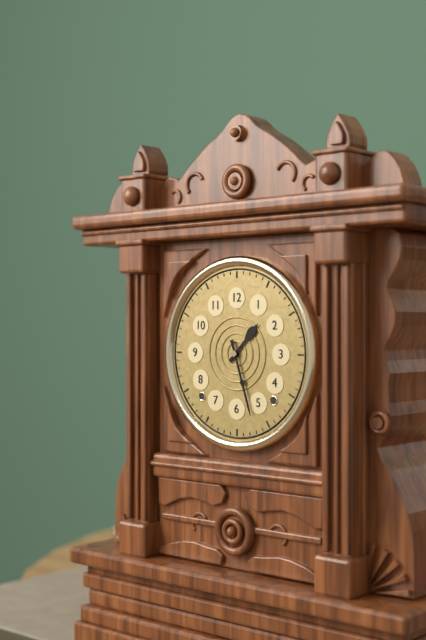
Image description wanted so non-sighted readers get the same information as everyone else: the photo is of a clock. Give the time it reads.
1:27
